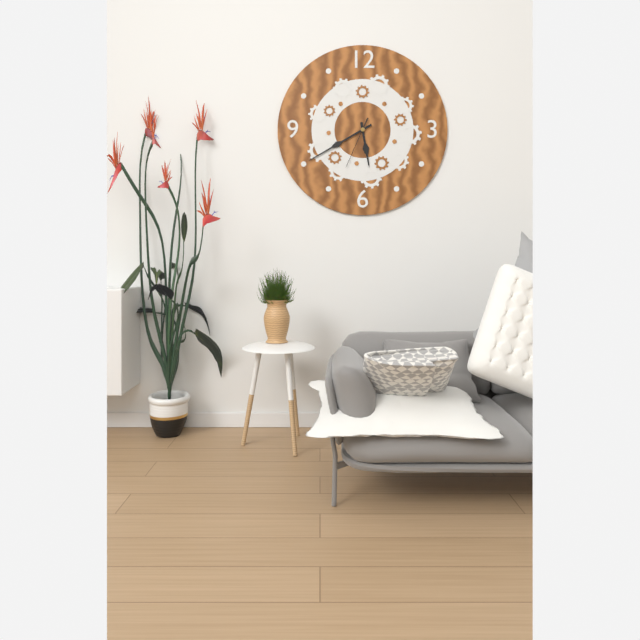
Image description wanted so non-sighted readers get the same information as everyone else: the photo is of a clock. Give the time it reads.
5:40:34
